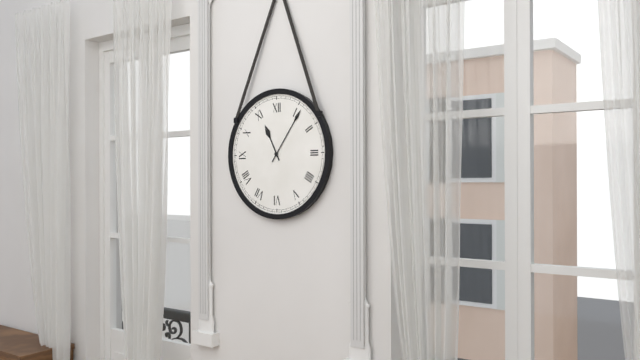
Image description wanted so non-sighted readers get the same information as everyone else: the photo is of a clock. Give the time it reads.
11:06
